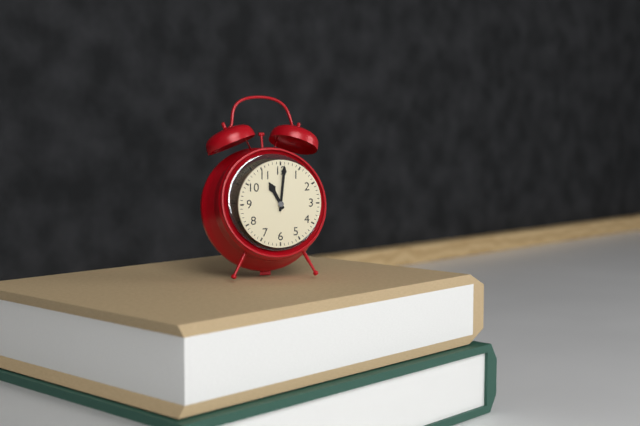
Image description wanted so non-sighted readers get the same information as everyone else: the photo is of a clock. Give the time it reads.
11:01
